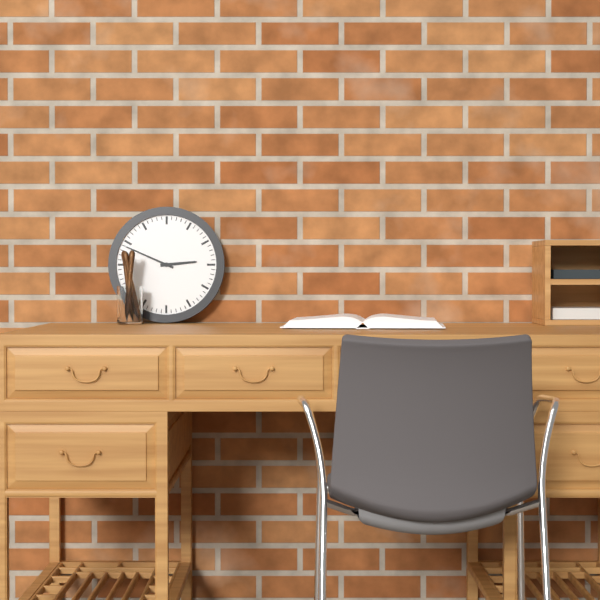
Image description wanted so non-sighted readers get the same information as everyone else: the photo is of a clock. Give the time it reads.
2:49
